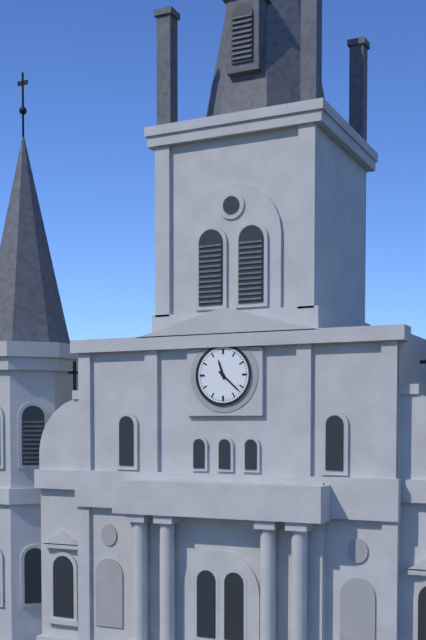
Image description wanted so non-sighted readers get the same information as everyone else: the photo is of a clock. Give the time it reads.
11:22
